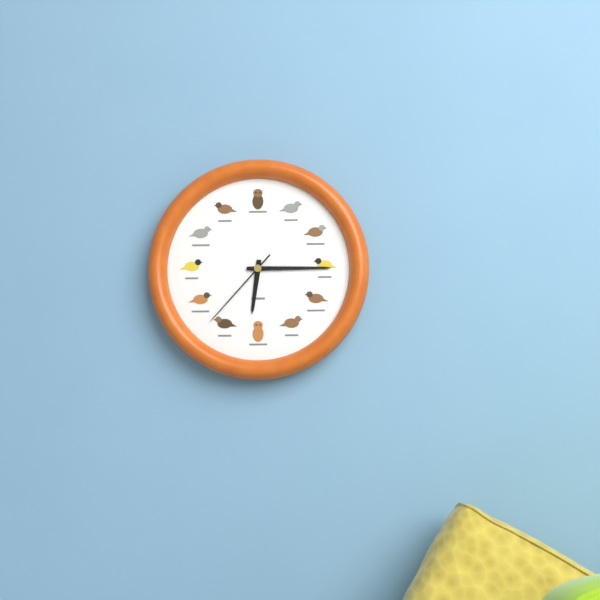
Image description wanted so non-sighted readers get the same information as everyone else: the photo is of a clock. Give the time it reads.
6:15:37
